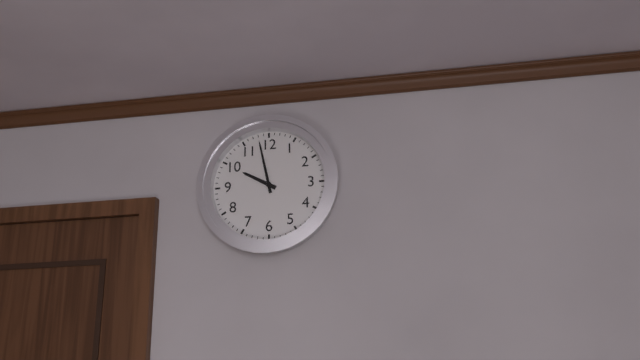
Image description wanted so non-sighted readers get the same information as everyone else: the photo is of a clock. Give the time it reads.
9:58
